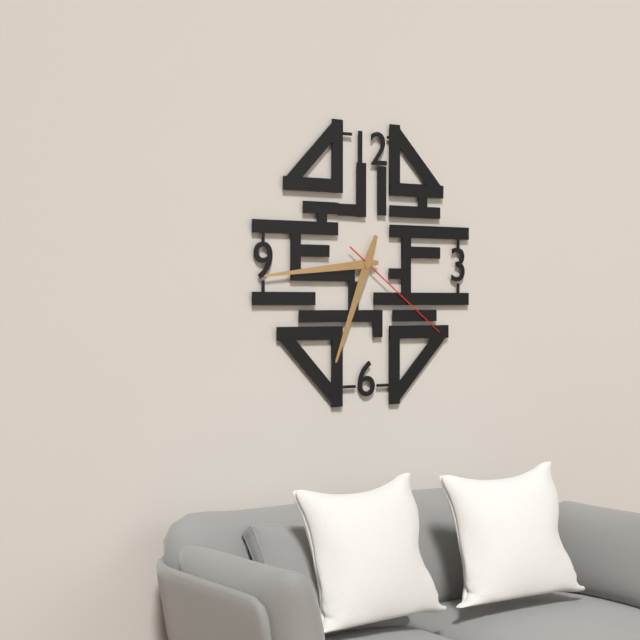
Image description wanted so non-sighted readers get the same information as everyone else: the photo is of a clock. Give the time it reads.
6:44:21
